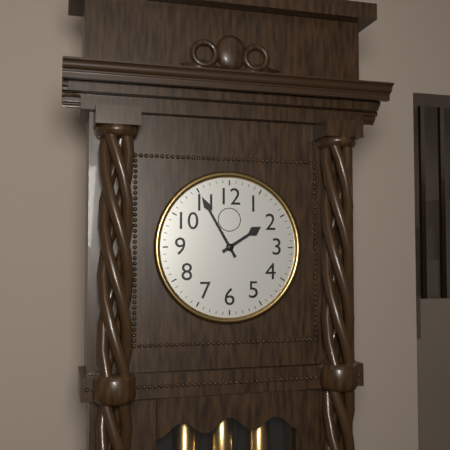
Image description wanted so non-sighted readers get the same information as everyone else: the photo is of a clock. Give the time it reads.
1:55
